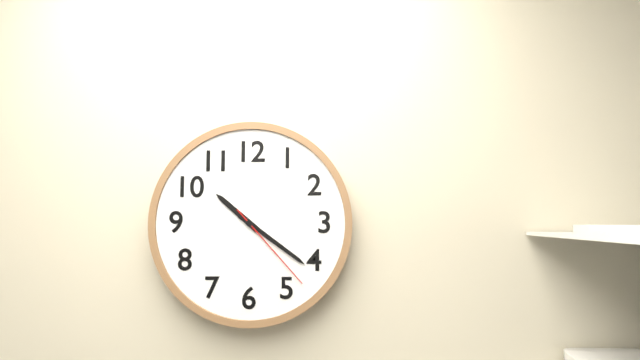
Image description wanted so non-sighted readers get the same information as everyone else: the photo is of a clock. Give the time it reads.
10:21:23
